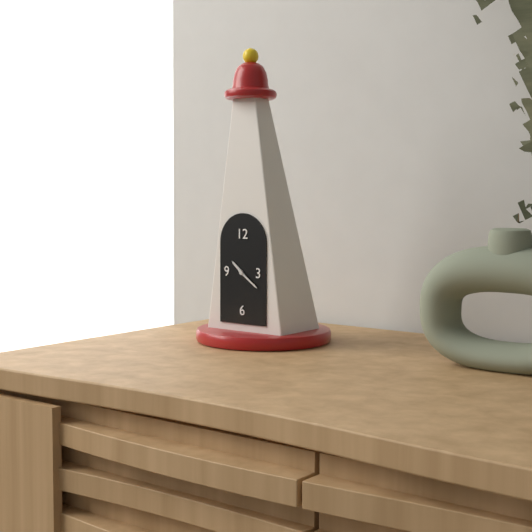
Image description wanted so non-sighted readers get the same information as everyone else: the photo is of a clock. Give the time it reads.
10:21
